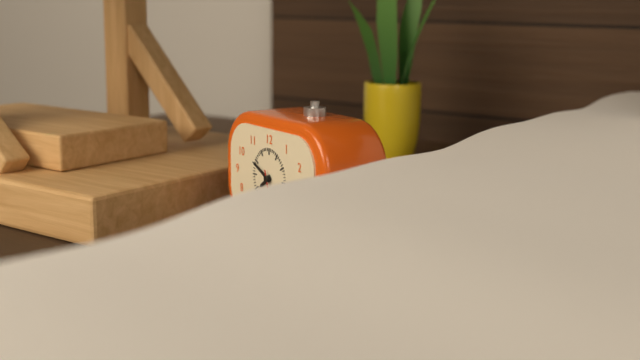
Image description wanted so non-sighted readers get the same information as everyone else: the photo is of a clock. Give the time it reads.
7:49
